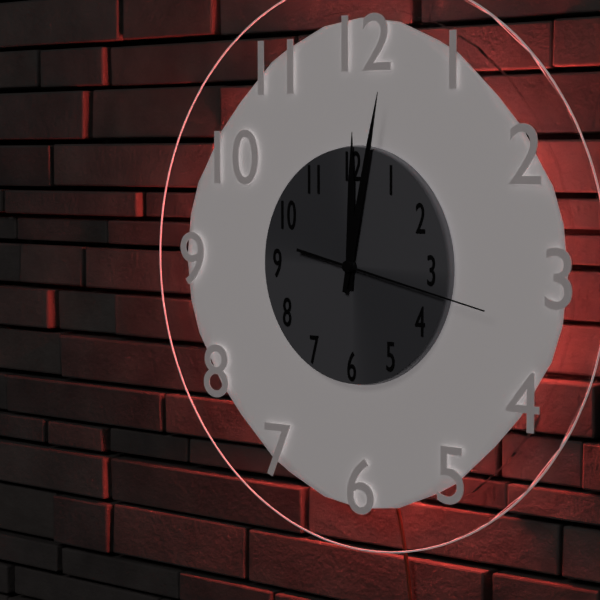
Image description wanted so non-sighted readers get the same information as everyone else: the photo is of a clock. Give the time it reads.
12:02:17
